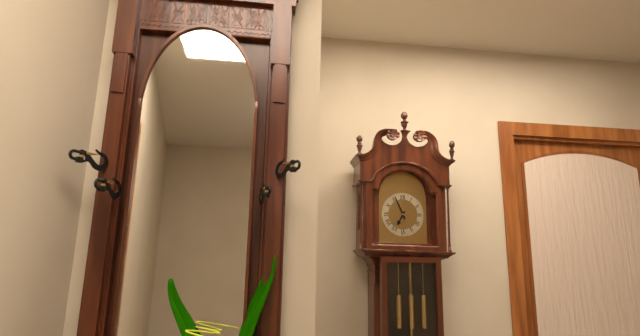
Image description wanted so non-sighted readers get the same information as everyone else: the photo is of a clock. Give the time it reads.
6:56
